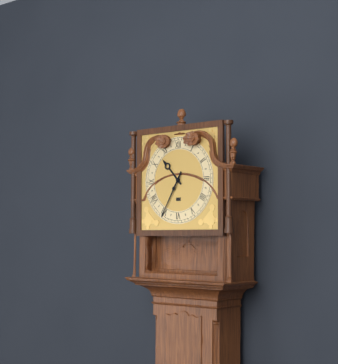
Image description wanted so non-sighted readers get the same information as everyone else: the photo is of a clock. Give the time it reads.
10:35
